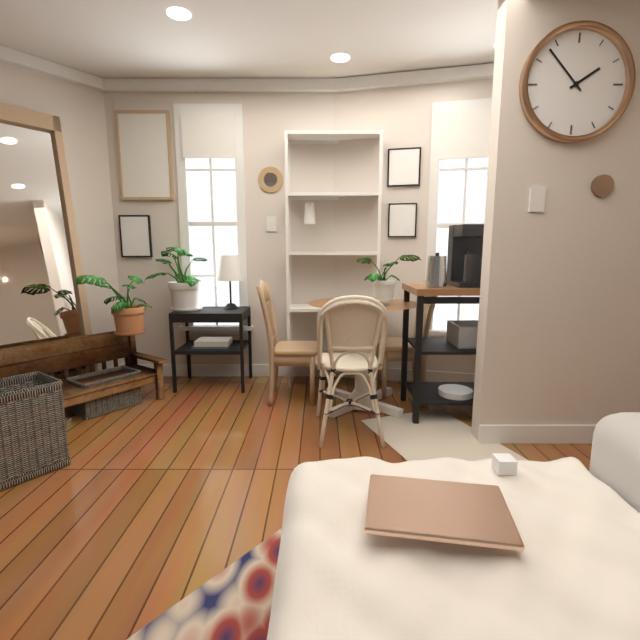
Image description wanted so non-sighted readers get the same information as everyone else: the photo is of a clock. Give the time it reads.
1:53
